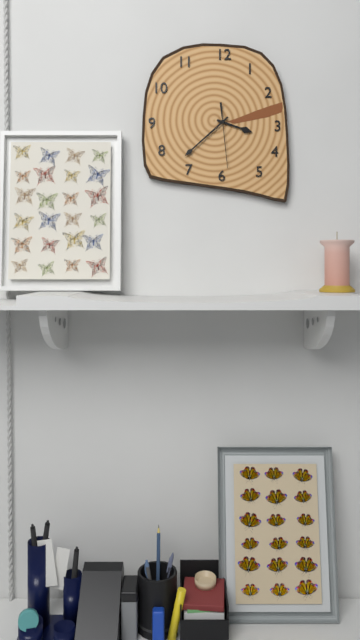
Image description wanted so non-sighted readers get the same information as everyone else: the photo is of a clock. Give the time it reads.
3:38:29
